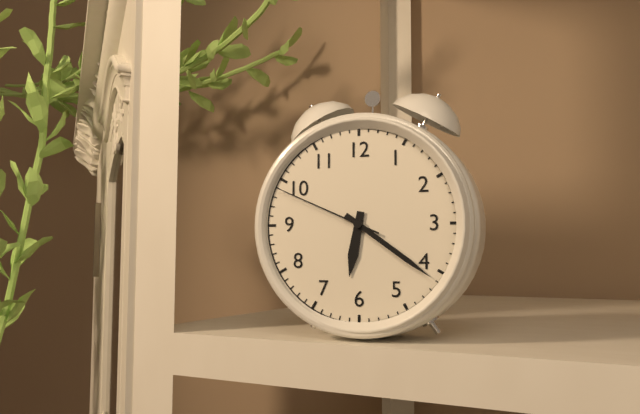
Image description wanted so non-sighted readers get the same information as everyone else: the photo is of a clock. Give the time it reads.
6:21:49
